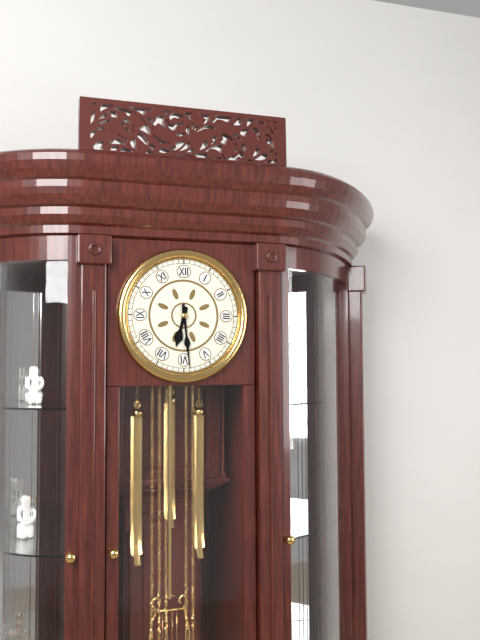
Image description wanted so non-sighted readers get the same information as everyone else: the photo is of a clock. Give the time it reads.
6:29
